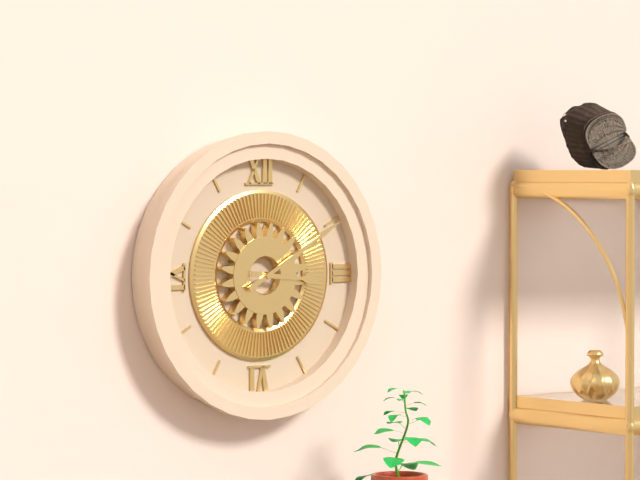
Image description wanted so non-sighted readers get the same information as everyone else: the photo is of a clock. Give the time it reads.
3:10
